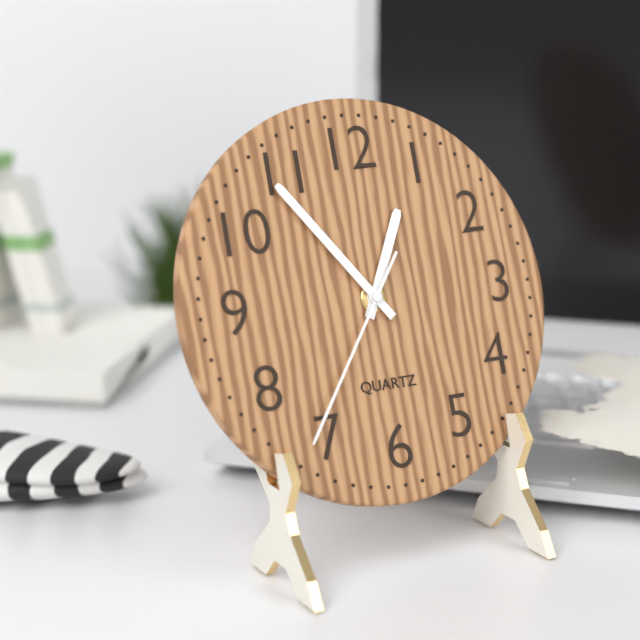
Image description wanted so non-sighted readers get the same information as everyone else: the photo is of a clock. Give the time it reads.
12:54:36
